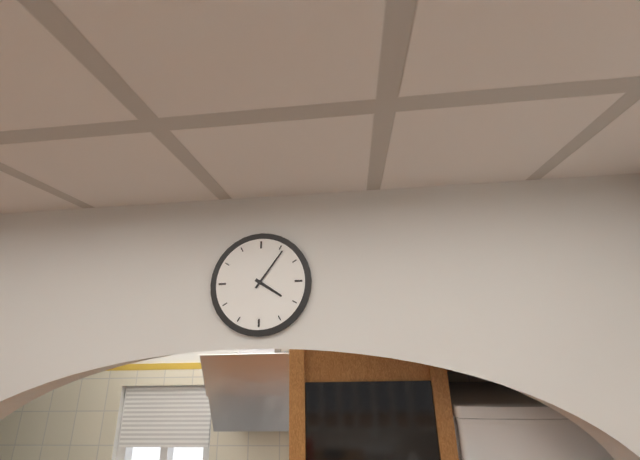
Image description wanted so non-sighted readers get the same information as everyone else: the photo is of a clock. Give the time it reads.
4:06
